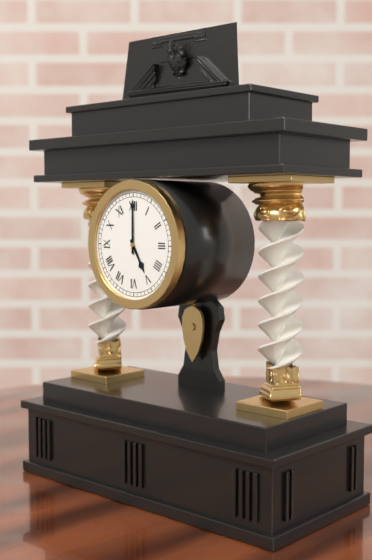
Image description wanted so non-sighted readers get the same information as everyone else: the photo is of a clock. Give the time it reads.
5:00
